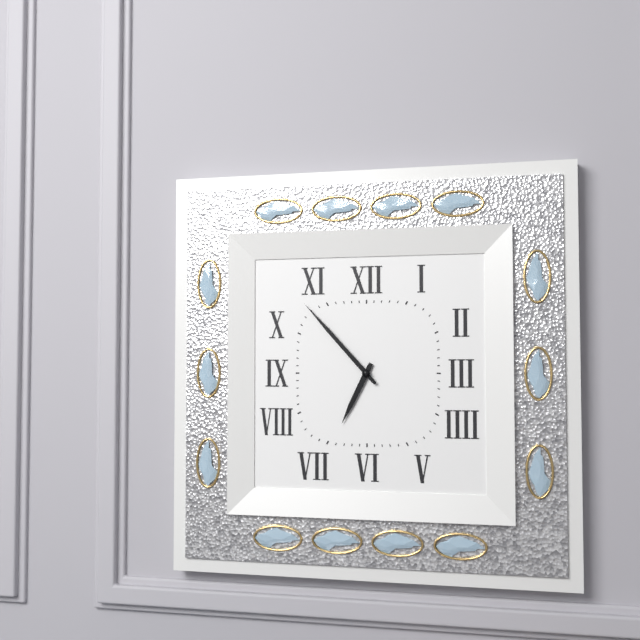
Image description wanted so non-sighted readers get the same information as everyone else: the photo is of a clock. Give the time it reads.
6:53
